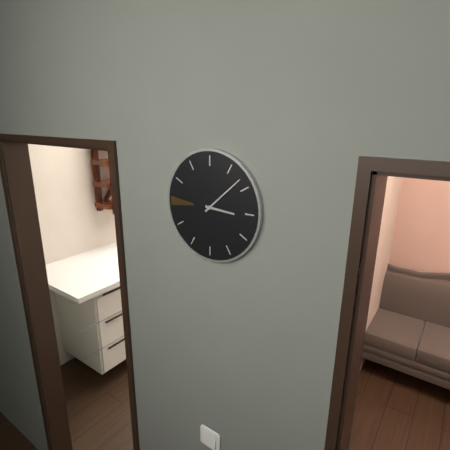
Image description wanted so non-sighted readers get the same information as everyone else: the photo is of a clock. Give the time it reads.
3:08
